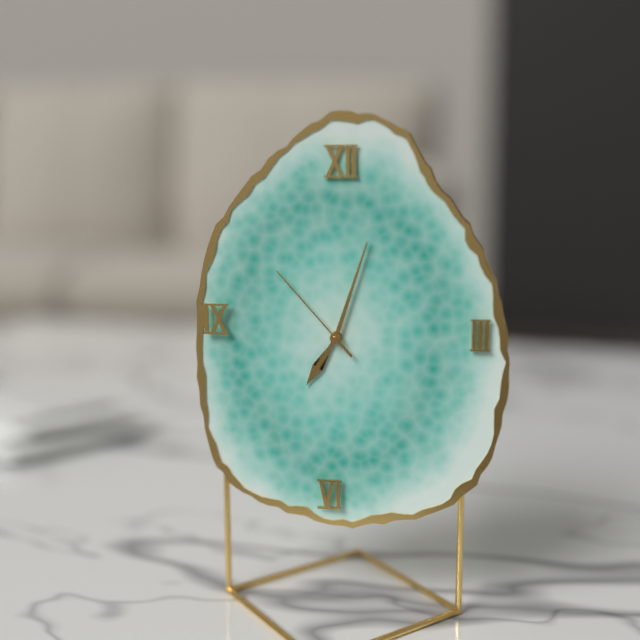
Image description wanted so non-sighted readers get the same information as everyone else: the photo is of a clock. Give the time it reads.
7:03:53
